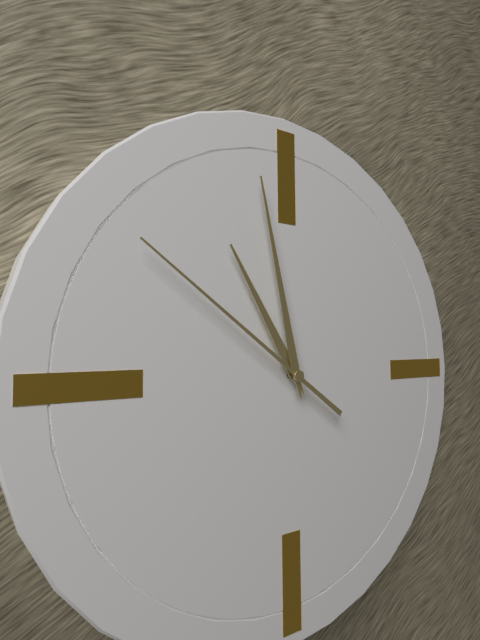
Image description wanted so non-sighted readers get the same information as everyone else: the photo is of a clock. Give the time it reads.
10:58:51
